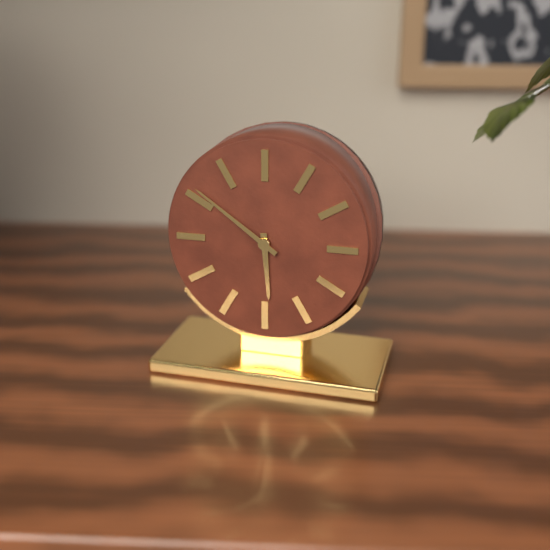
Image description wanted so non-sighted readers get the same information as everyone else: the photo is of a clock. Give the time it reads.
5:51
